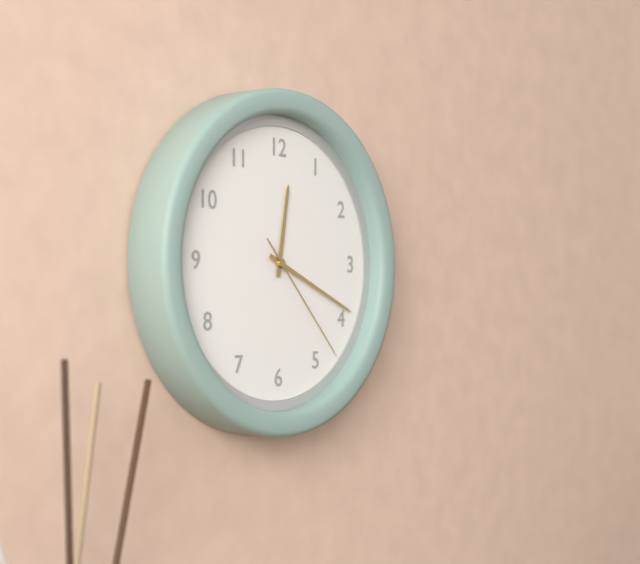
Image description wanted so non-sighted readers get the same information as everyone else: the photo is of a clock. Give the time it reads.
12:19:23
